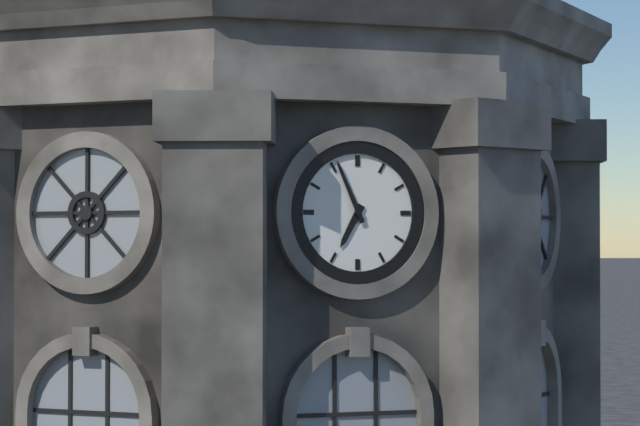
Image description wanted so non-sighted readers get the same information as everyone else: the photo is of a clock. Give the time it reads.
6:56
